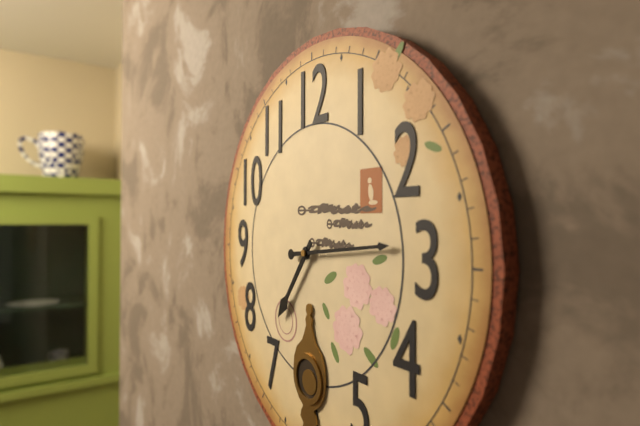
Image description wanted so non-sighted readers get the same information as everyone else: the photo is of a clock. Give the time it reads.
7:14
